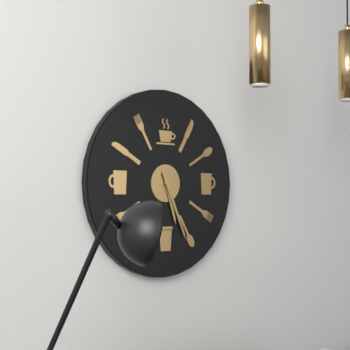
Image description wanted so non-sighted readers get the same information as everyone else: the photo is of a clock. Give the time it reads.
5:26
